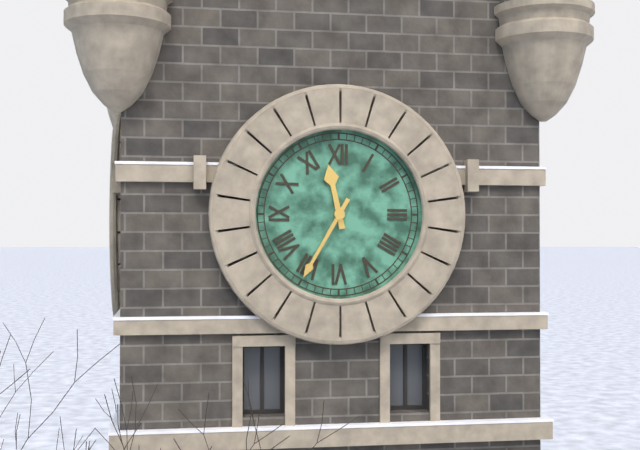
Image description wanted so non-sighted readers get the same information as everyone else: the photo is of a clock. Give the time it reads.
11:35
